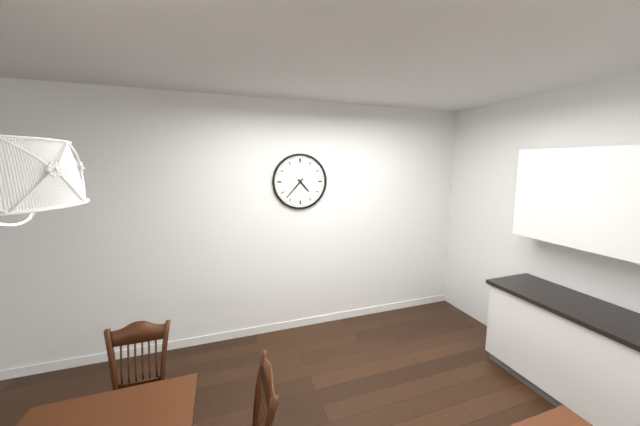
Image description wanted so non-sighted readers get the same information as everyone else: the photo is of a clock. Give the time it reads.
4:37
